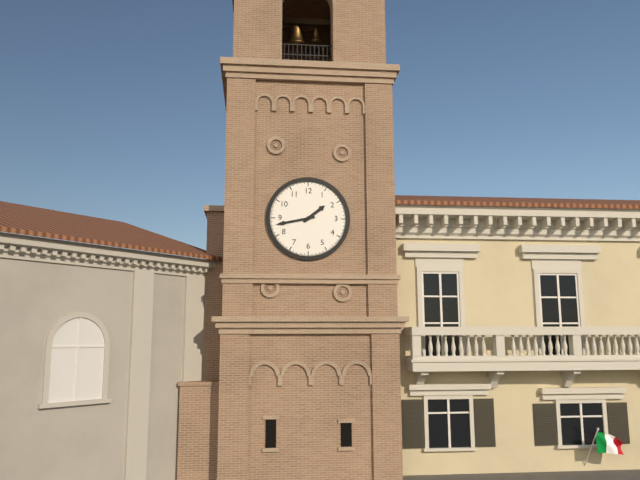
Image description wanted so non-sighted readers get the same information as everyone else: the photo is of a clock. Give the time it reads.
1:43
